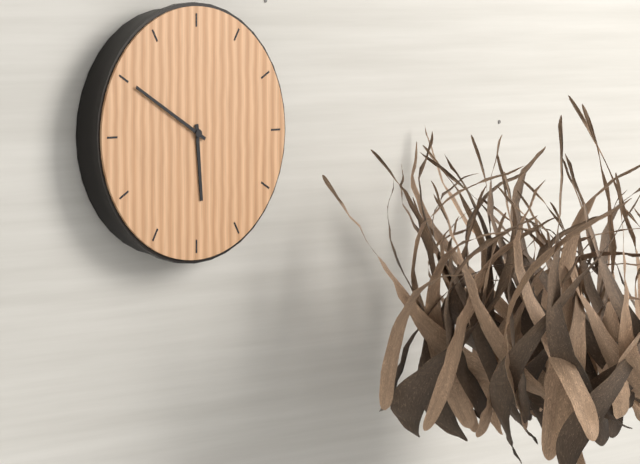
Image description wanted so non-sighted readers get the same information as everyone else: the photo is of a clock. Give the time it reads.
5:50
